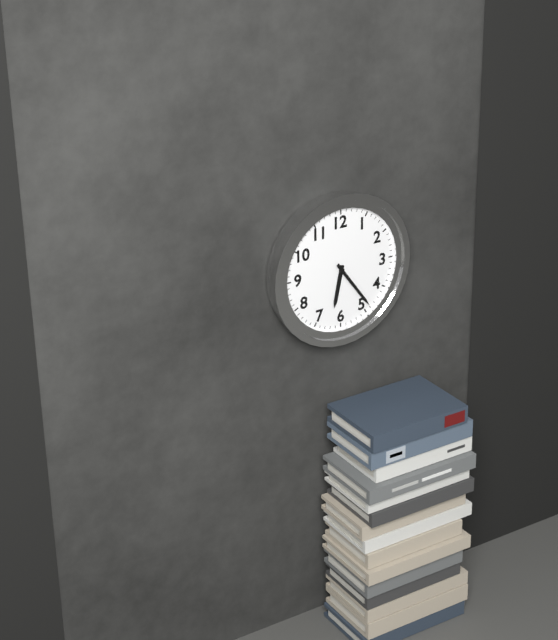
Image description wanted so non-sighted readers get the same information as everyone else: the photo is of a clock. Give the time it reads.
6:24
